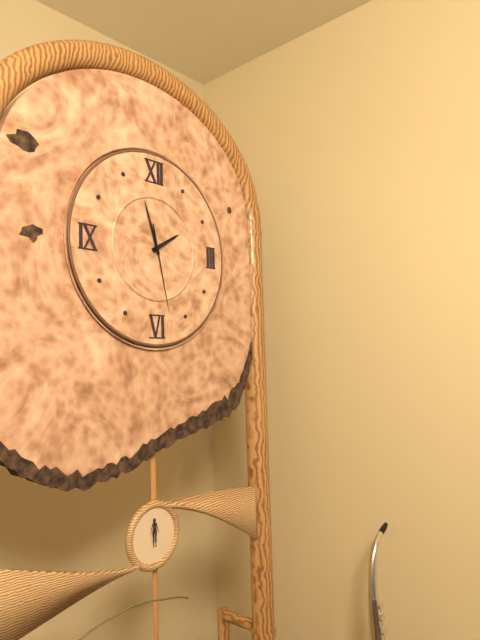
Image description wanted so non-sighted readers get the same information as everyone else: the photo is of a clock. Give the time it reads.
1:57:28
